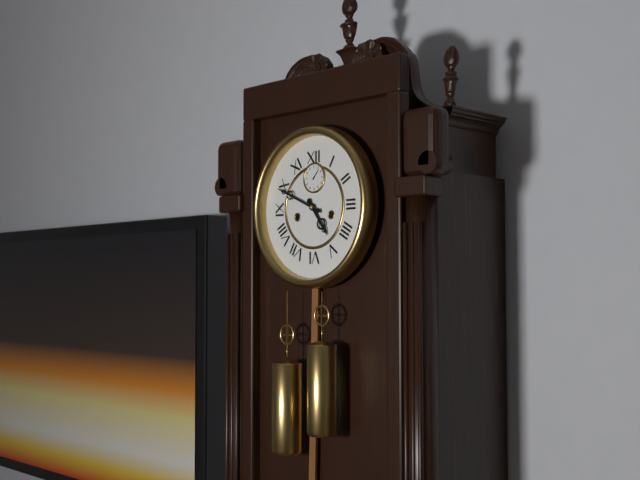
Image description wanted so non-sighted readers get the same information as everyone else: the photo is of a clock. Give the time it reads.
4:49
